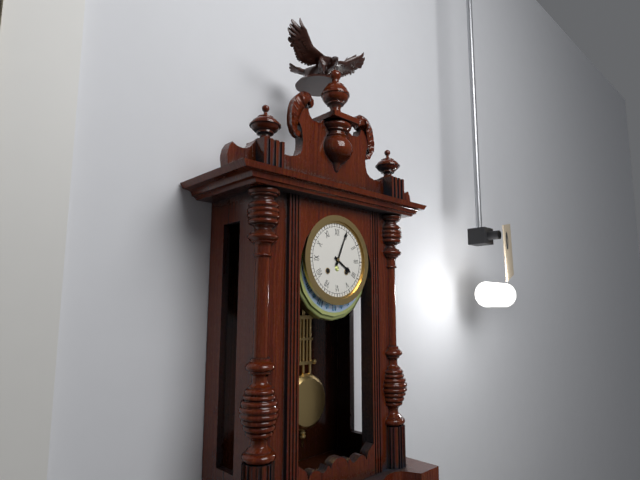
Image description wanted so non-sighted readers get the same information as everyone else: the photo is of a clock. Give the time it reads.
4:04
